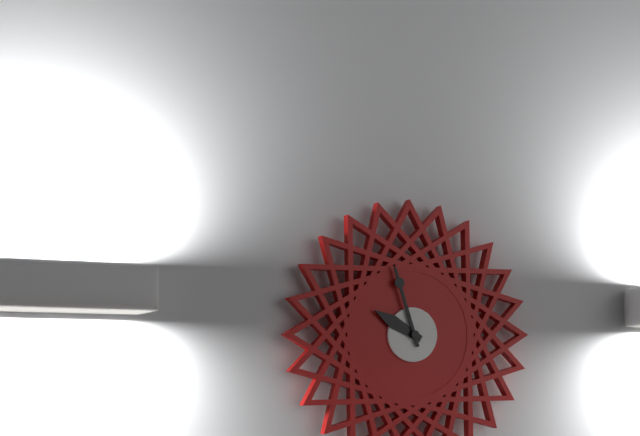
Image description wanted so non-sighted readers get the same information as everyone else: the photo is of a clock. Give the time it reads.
9:57
